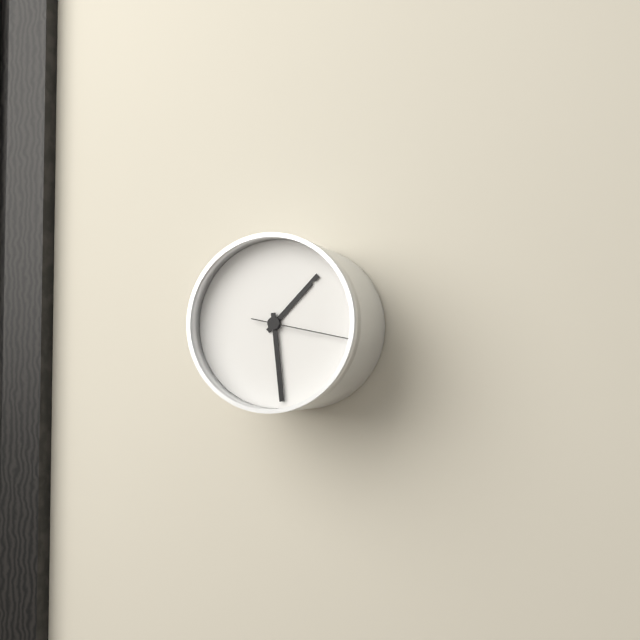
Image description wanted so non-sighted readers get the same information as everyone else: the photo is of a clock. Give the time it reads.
1:29:17
